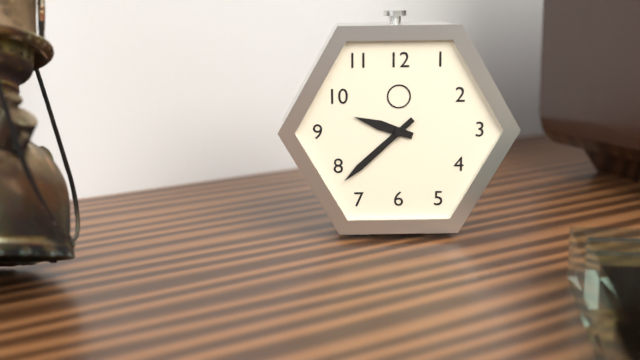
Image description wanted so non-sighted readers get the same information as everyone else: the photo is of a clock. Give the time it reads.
9:38
